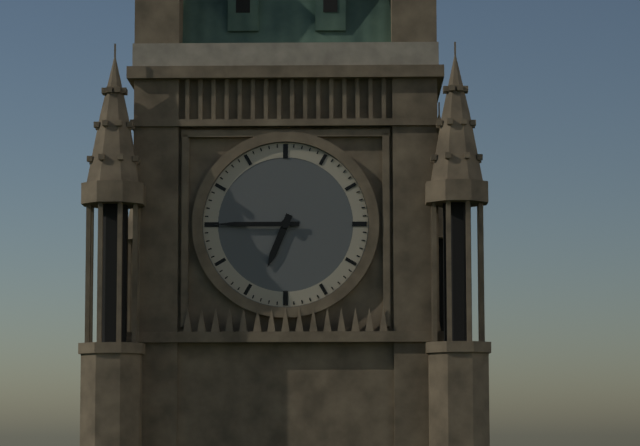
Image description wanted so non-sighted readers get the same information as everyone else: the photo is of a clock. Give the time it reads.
6:45
